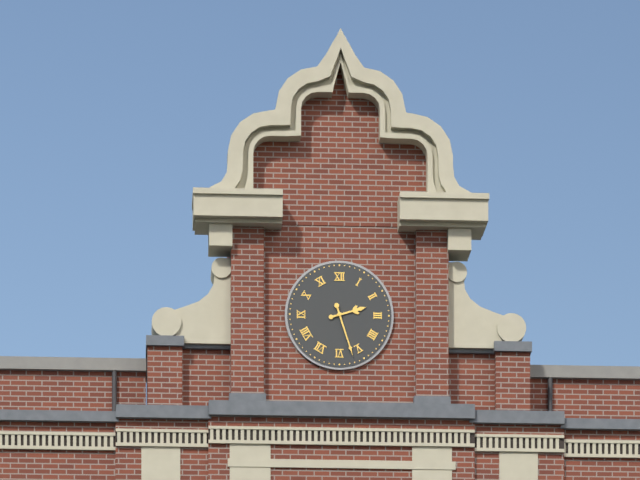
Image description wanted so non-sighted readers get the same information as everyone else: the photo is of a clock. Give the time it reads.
2:27
